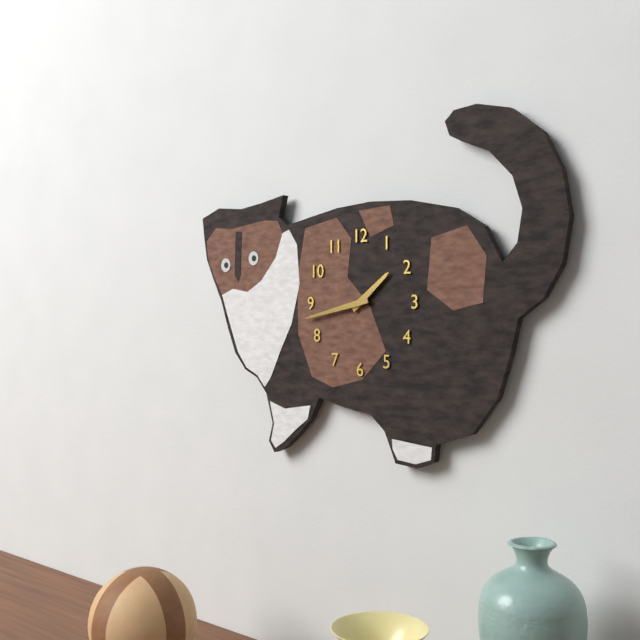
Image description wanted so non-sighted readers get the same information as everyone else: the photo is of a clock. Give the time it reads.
1:43
